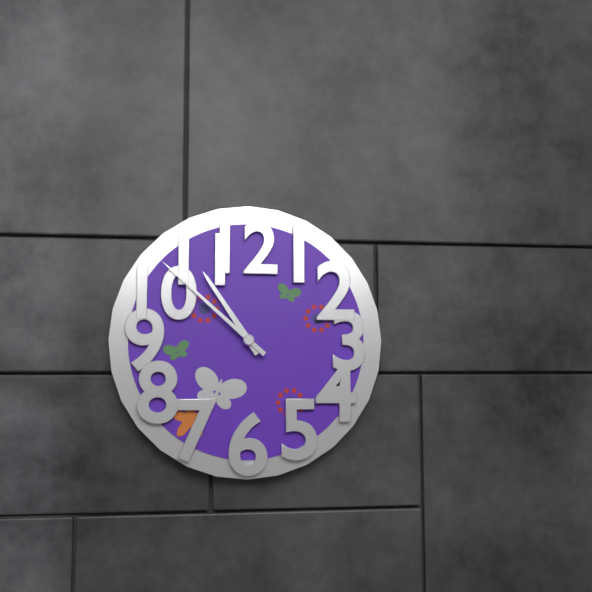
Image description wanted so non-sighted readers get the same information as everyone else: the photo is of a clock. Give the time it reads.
10:52
